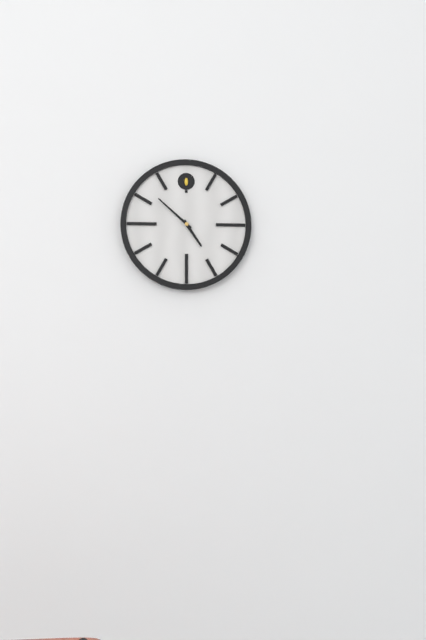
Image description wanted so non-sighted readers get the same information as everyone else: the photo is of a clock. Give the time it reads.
4:52
